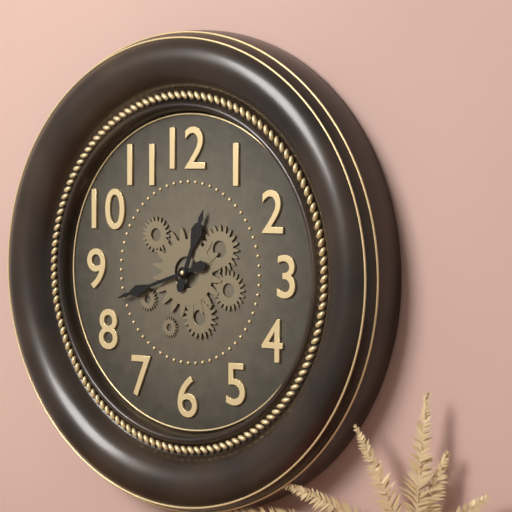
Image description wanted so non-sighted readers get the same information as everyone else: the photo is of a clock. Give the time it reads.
12:42
